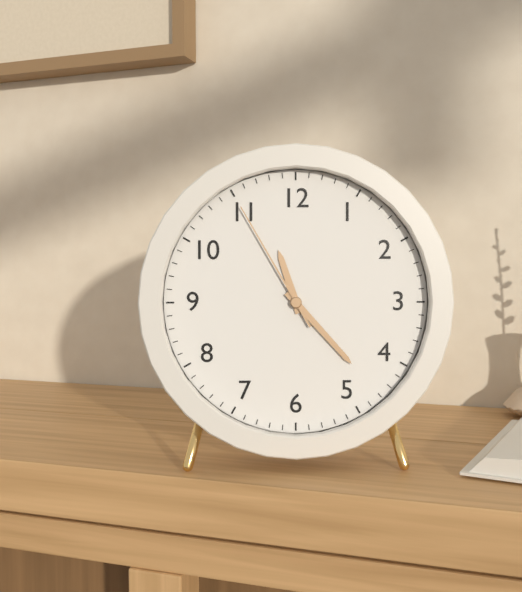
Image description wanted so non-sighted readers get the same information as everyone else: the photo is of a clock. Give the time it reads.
11:23:55
